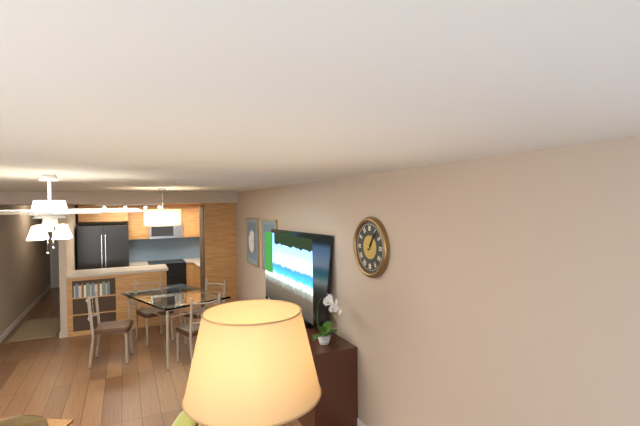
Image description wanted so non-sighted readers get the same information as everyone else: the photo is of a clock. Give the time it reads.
1:06
